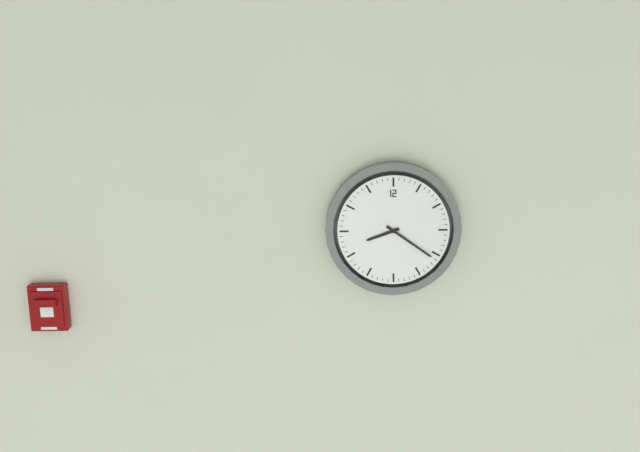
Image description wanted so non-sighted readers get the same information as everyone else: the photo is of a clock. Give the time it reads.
8:21
